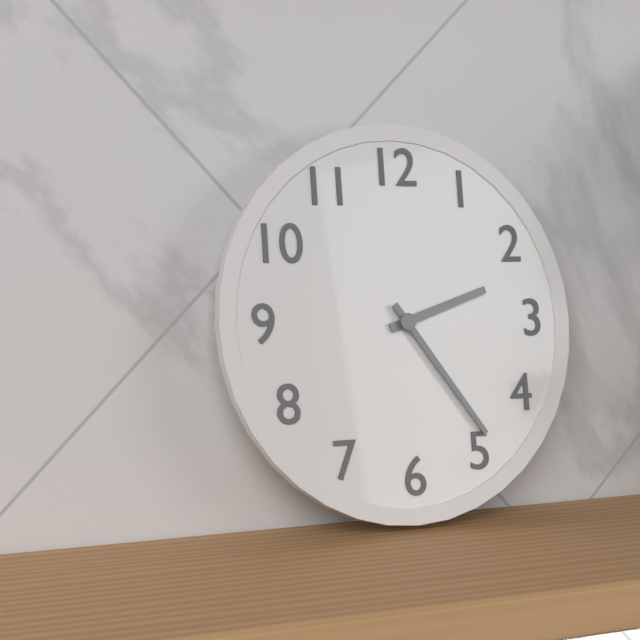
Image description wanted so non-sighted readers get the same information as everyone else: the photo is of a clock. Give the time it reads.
2:24
